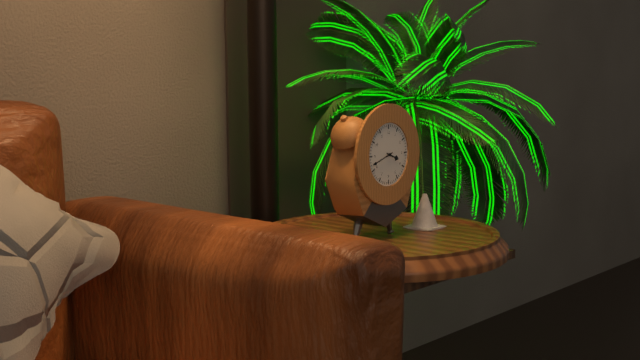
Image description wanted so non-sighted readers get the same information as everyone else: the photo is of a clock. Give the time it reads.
3:42
